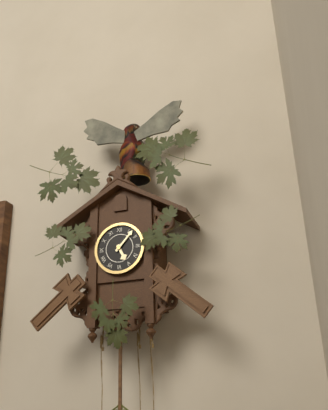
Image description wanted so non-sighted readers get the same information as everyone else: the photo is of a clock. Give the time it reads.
5:07
